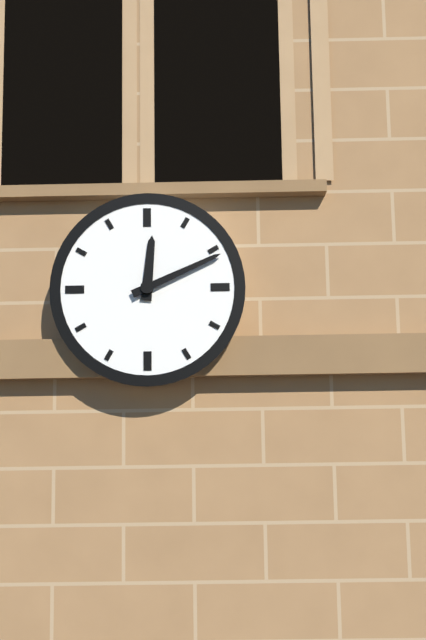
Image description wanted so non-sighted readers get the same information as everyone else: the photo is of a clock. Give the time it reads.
12:11
